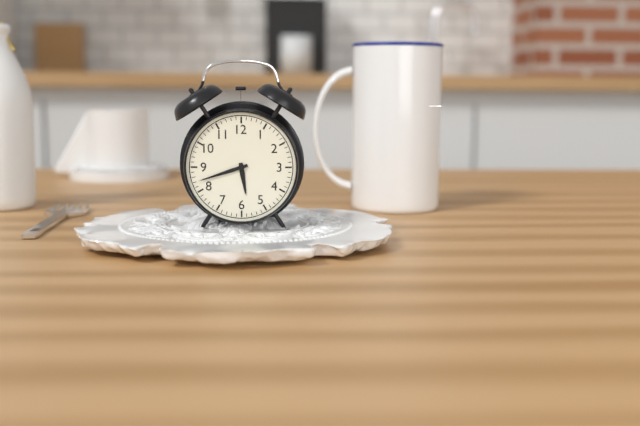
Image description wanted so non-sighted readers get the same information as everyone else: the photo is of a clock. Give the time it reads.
5:42
